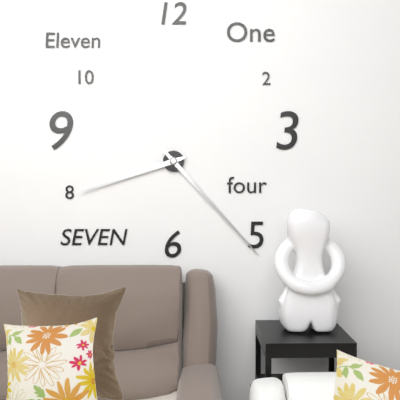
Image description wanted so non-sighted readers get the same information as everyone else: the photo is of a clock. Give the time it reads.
8:23
